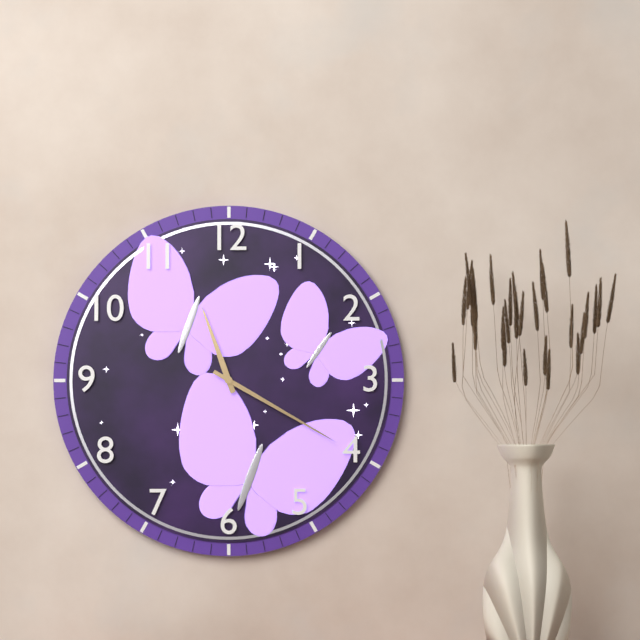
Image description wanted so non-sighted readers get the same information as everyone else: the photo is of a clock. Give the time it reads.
11:20
